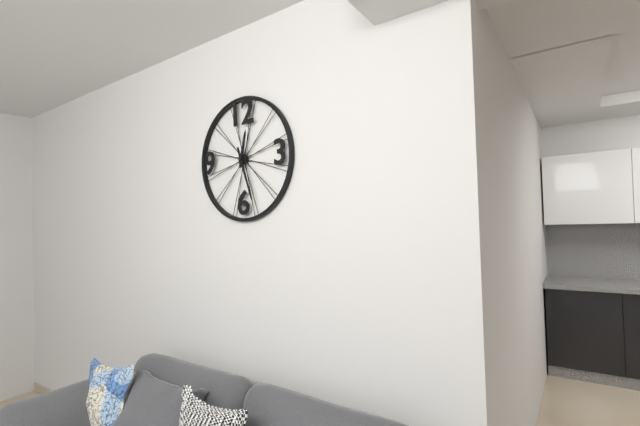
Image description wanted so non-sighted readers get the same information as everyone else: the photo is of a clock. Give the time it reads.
12:27
